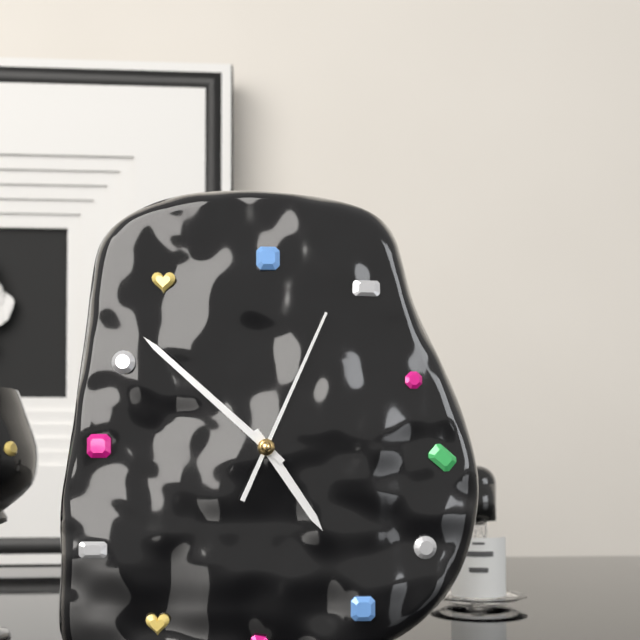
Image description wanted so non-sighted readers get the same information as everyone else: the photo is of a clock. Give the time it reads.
4:52:04
